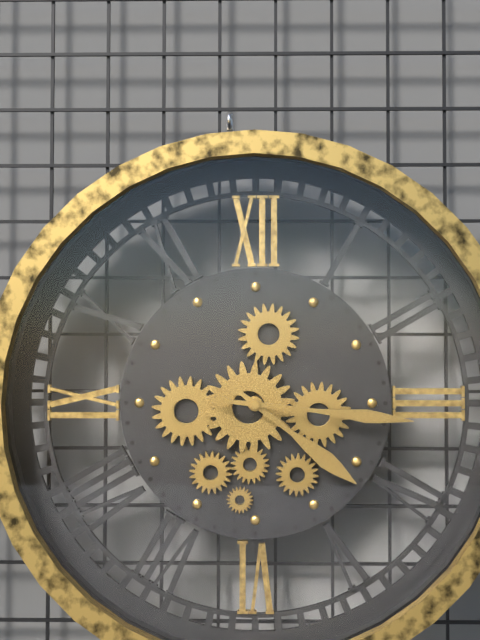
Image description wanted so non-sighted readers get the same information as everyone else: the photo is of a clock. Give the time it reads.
4:16
